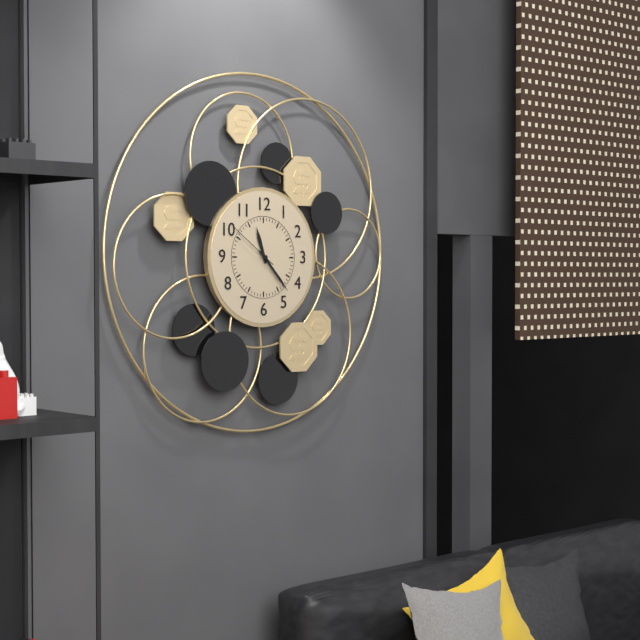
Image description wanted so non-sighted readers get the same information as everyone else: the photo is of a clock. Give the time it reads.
11:23:51
